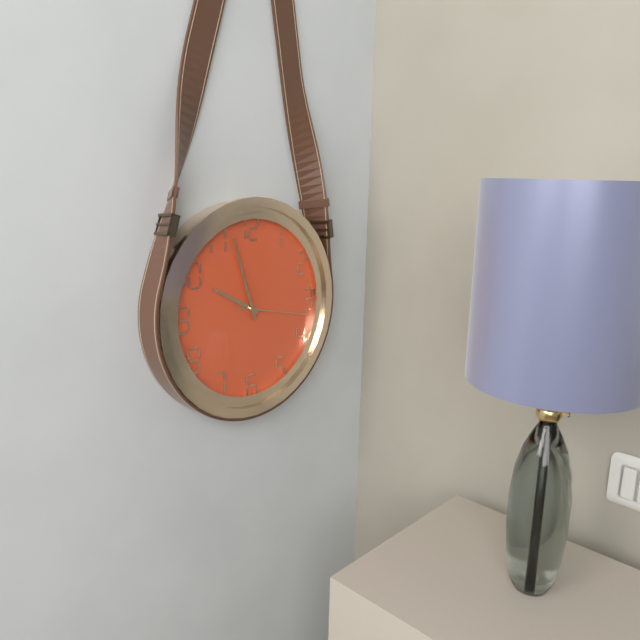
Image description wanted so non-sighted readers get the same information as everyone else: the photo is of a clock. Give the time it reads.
9:57:17
